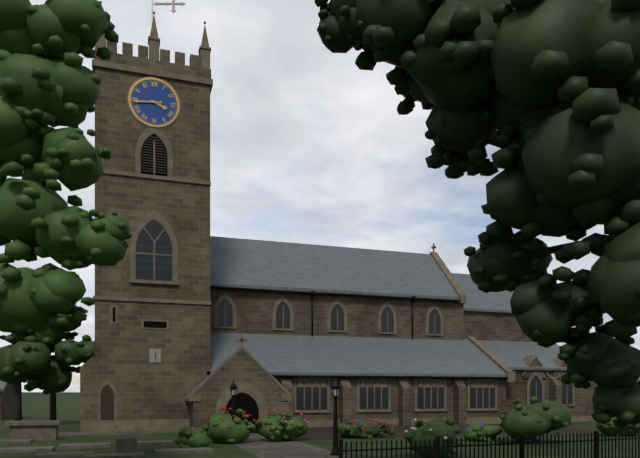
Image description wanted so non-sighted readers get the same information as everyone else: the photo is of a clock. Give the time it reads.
3:44
